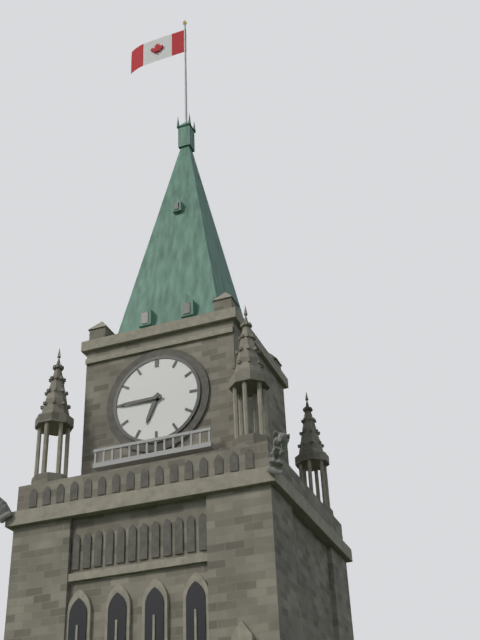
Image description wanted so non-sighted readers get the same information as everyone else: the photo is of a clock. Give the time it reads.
6:45
